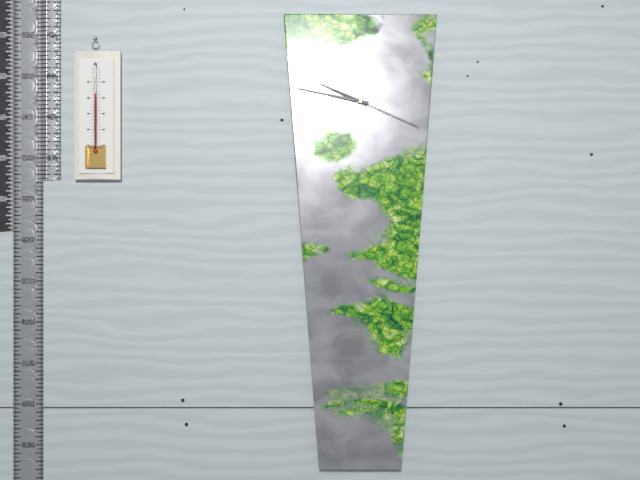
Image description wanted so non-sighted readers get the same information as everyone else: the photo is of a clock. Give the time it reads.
9:47:19
